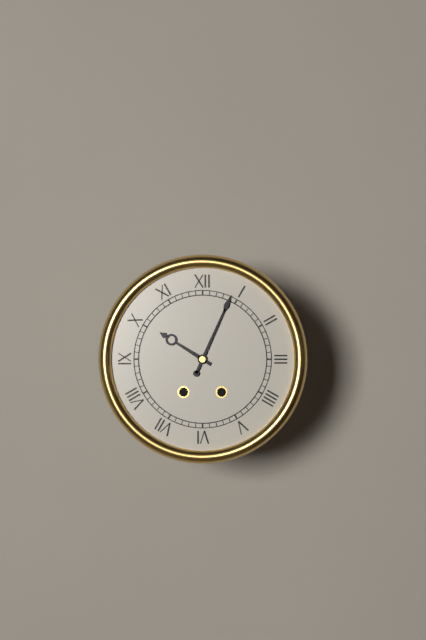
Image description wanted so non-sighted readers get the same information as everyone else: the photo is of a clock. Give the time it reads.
10:04
